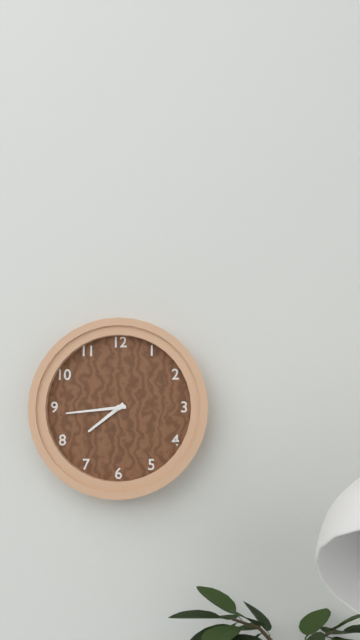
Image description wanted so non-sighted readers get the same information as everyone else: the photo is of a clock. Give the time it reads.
7:44
